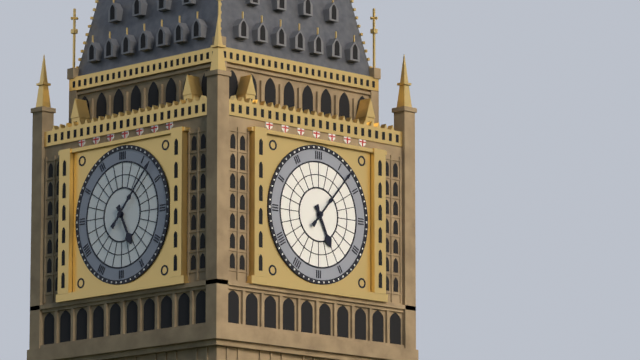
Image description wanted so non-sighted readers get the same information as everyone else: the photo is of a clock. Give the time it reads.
5:07
